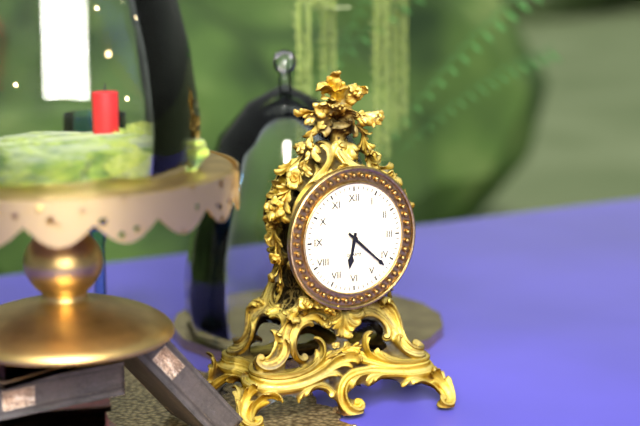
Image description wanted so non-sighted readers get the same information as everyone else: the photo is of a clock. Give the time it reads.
6:22
